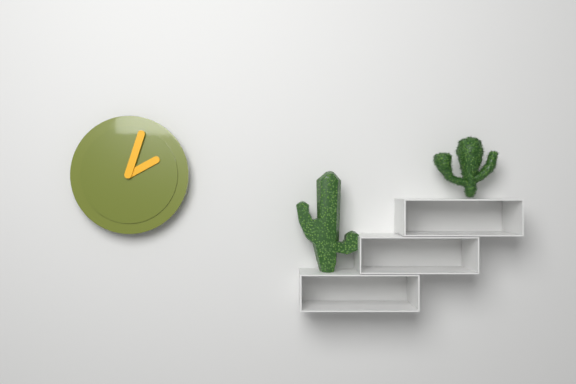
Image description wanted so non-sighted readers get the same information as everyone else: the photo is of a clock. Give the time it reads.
2:03
